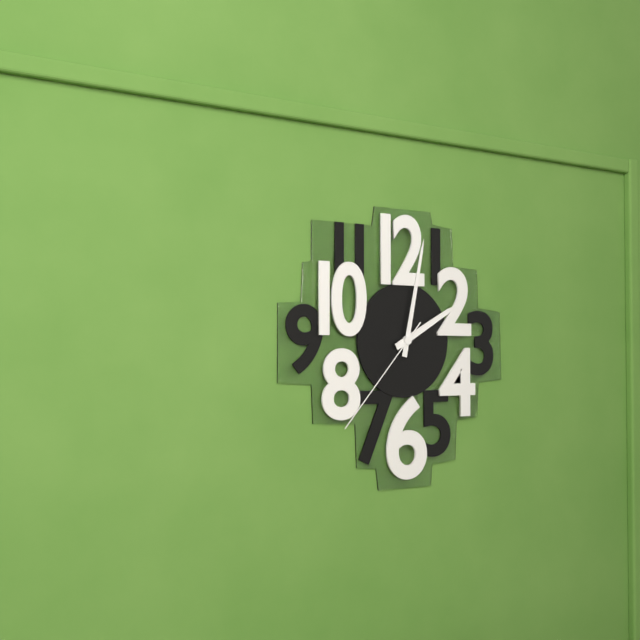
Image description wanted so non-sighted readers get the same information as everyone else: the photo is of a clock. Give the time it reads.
2:02:37
